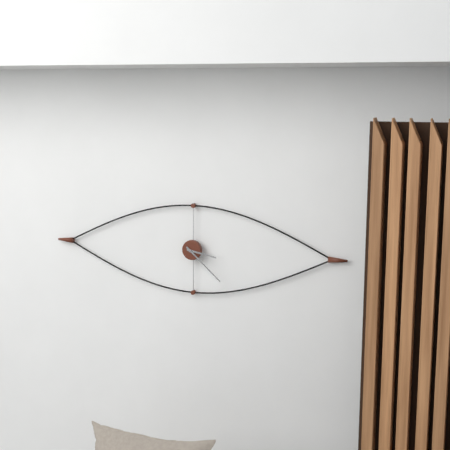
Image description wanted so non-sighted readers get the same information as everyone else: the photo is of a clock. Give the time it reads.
3:22
